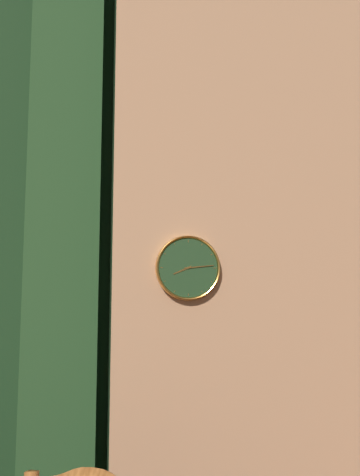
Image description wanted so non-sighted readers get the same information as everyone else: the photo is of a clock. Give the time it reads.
8:14
